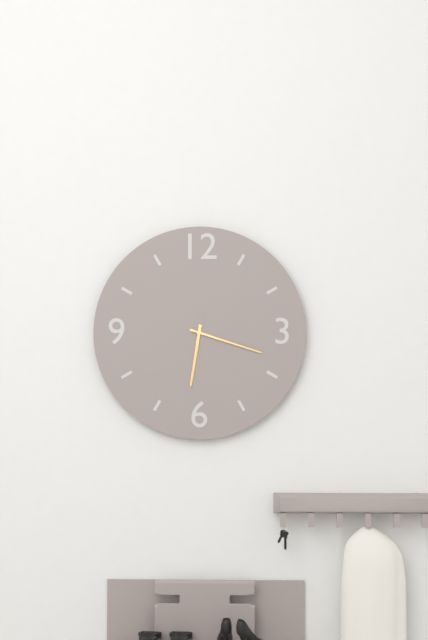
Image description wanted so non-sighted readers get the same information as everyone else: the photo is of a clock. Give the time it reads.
6:18
